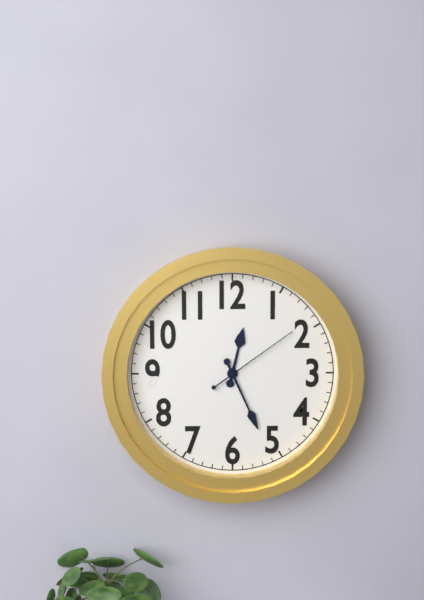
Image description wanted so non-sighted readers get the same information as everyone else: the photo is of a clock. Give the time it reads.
12:26:09
